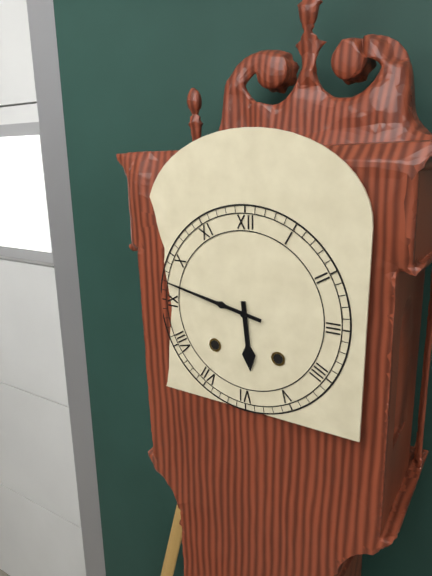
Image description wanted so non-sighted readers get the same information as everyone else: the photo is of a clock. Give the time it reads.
5:47
